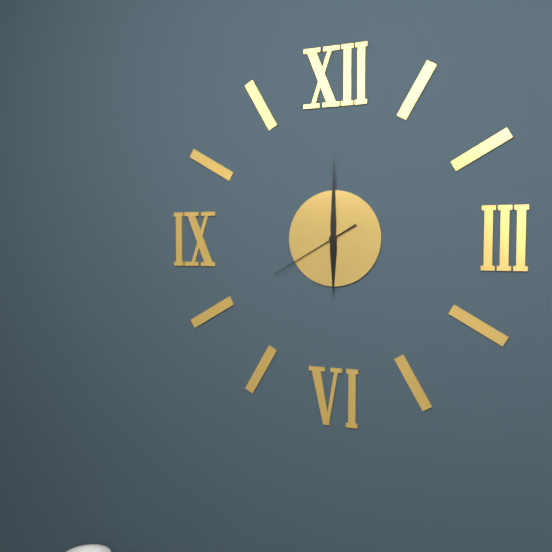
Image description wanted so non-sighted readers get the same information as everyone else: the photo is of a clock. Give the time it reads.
6:00:40
